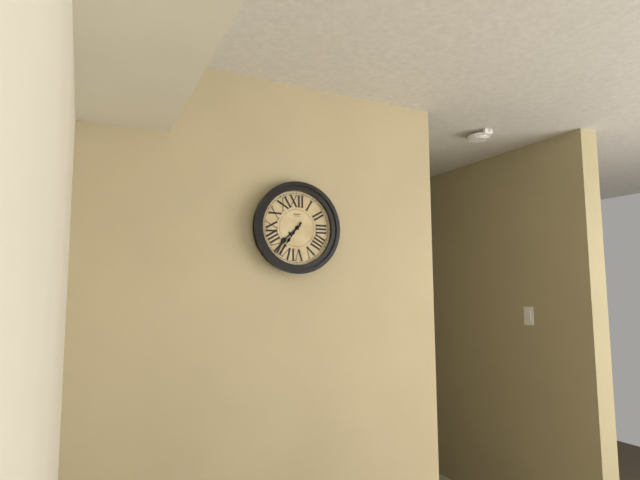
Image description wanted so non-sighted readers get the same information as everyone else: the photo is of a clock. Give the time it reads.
7:36
